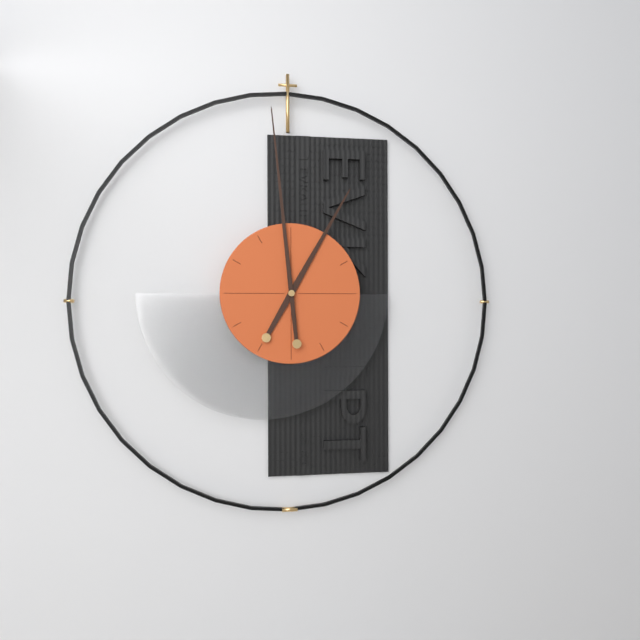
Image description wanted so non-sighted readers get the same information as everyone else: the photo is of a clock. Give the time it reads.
12:59
